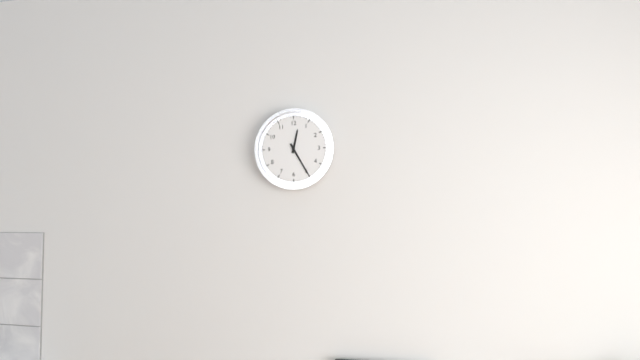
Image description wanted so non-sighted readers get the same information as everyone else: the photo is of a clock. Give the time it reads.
12:25
